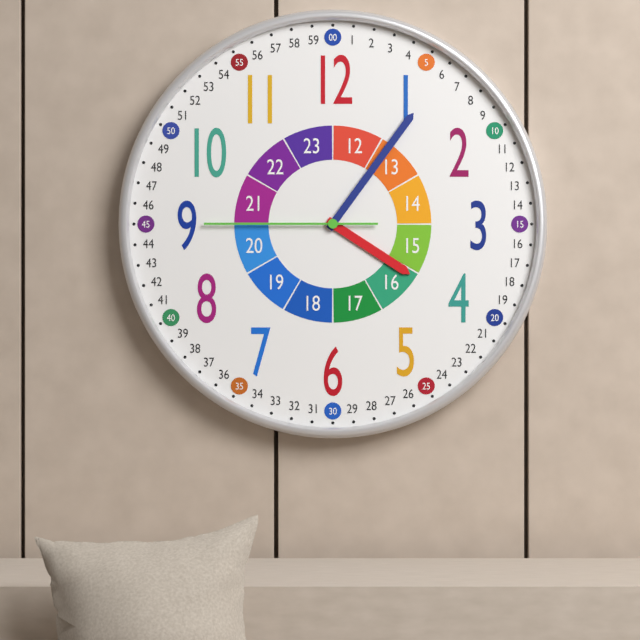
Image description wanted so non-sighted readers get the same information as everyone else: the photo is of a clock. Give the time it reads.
4:06:45
